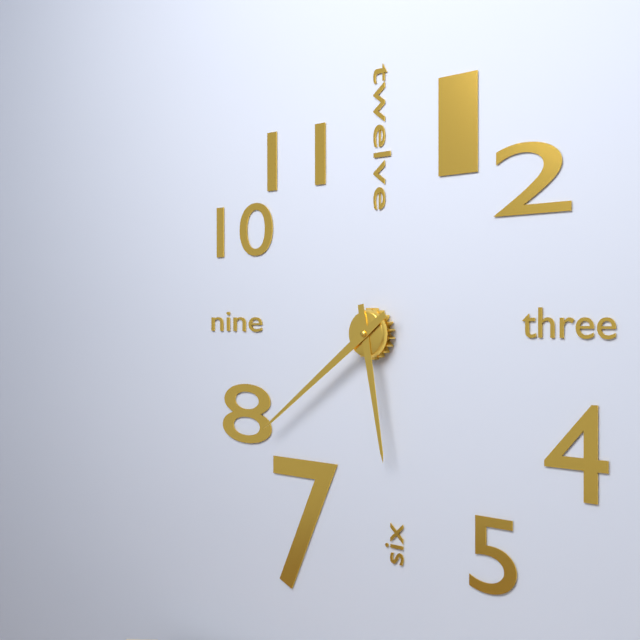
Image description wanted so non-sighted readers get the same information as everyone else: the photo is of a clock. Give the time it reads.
5:39
